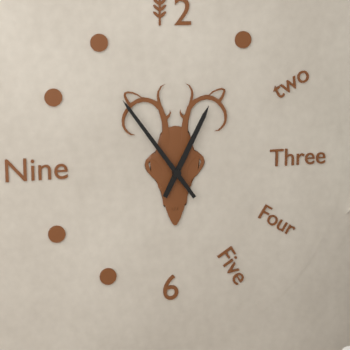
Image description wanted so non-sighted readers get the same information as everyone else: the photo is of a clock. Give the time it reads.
12:54
